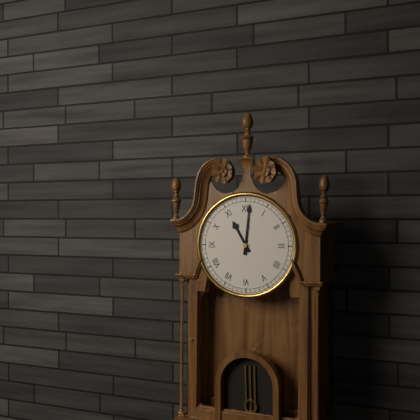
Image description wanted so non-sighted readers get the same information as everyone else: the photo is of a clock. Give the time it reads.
11:01
